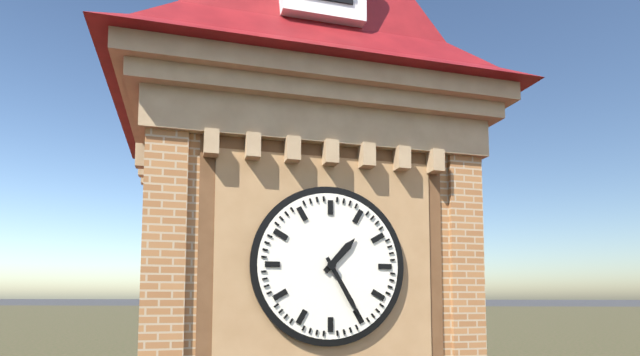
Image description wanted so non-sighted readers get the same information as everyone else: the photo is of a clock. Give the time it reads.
1:25
